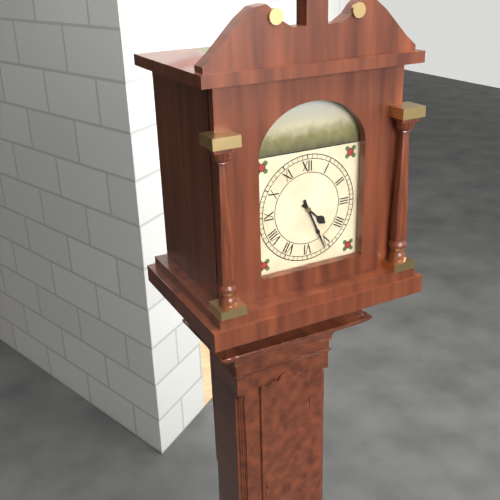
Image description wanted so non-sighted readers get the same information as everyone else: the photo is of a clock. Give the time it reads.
4:26
